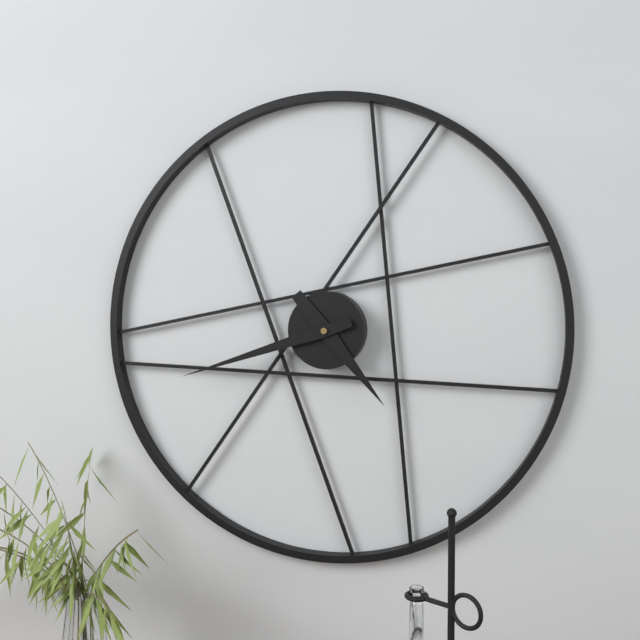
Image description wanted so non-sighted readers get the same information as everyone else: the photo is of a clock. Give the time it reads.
4:42
